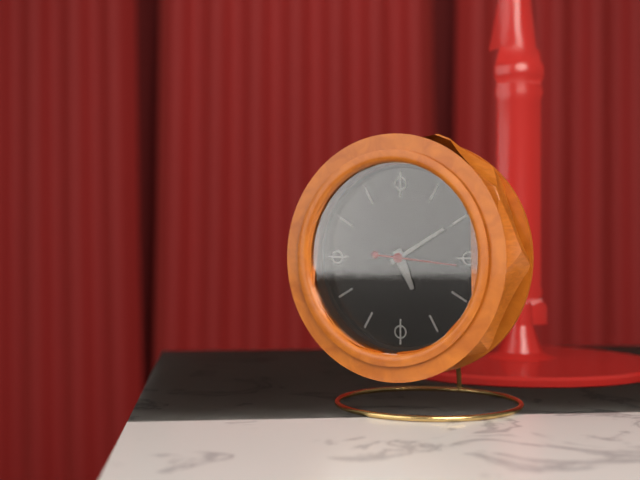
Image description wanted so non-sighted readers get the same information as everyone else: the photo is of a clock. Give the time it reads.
5:10:16
